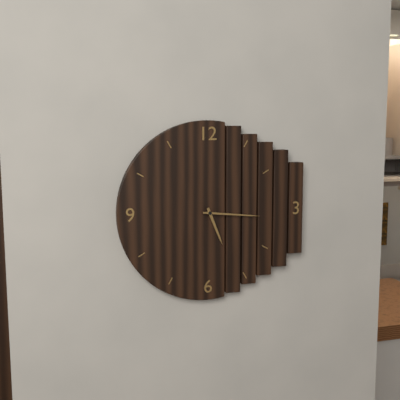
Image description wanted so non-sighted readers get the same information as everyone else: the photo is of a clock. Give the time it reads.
5:16
